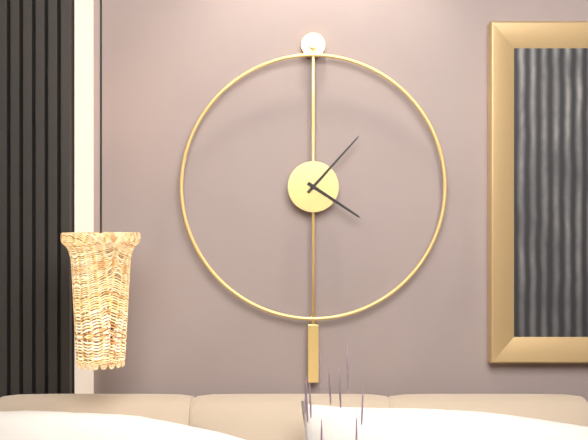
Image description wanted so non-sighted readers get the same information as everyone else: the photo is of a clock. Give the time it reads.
4:07
